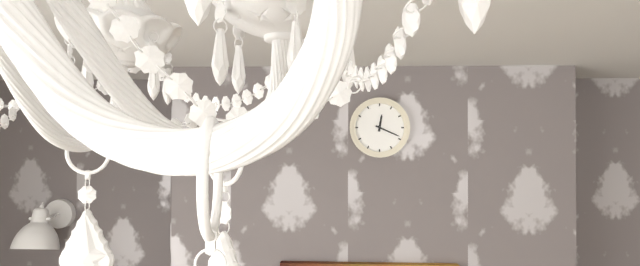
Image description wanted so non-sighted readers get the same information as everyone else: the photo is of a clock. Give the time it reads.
12:19
